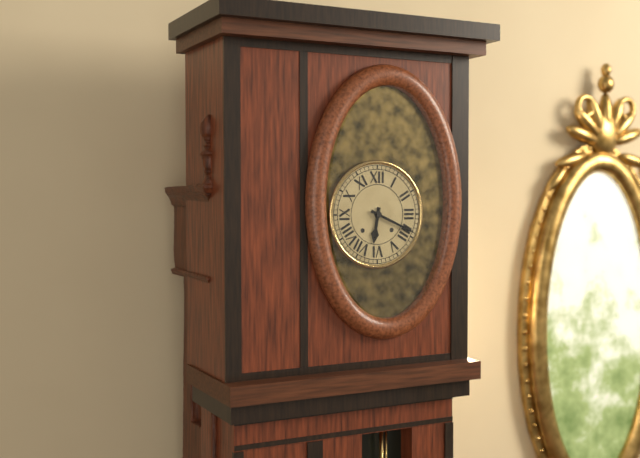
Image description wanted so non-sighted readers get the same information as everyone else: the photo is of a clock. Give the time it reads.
6:19
